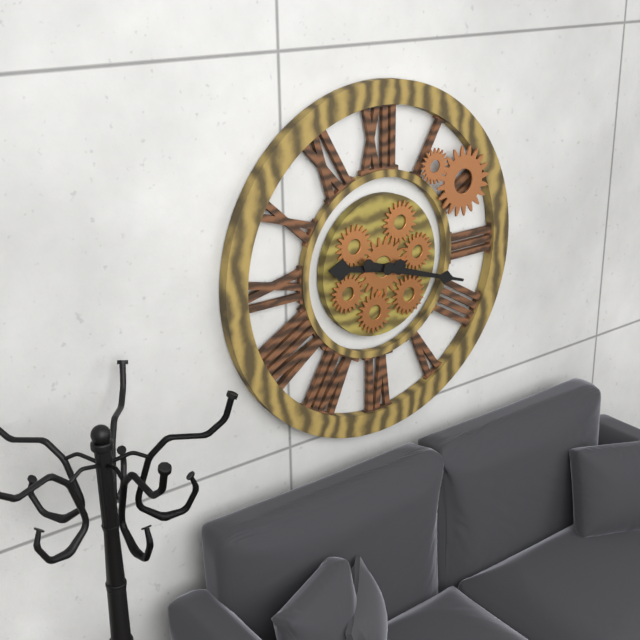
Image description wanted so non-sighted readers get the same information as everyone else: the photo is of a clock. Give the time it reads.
9:18
